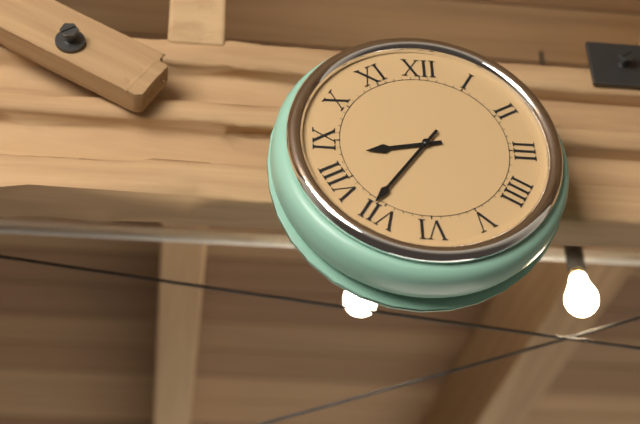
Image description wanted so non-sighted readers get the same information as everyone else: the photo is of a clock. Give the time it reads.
8:36
